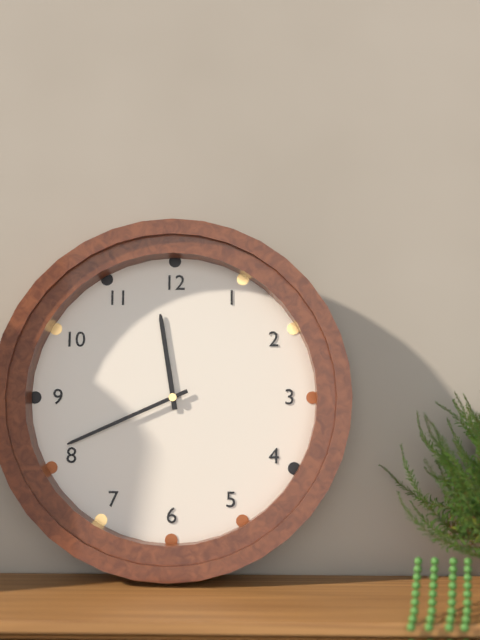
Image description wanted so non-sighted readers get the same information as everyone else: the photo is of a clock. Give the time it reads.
11:41
